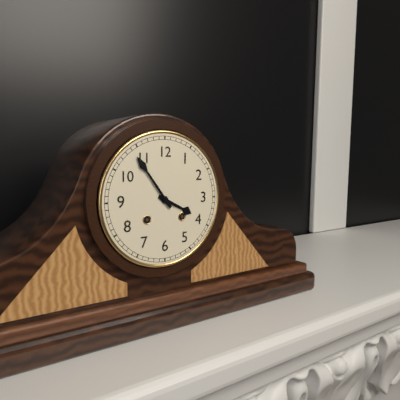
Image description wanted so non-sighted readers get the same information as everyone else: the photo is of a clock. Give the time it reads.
3:54
